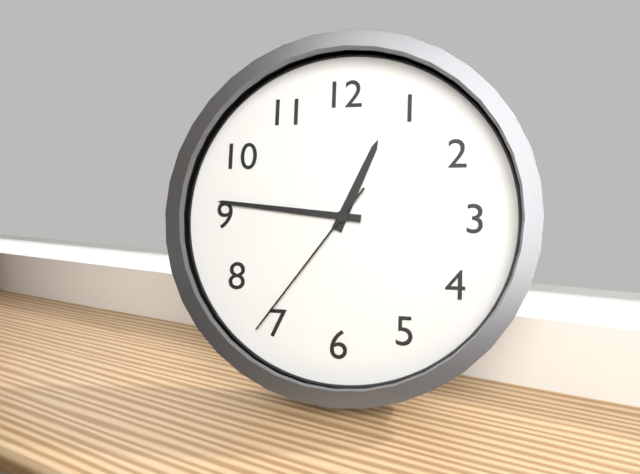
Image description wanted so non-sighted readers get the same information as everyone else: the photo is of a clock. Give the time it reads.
12:46:36
